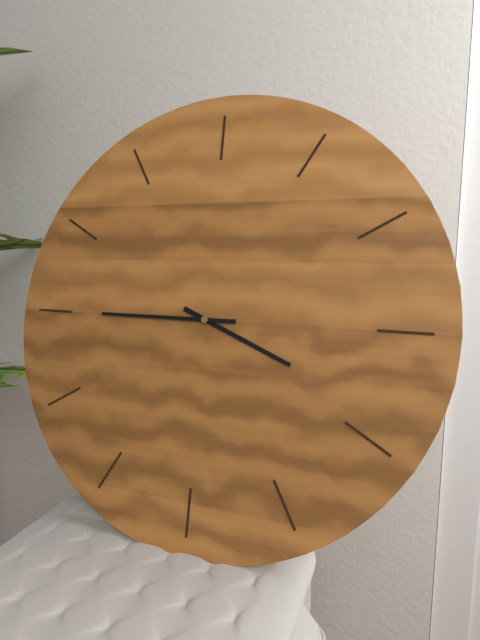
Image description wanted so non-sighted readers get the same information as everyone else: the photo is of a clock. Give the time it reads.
3:45
